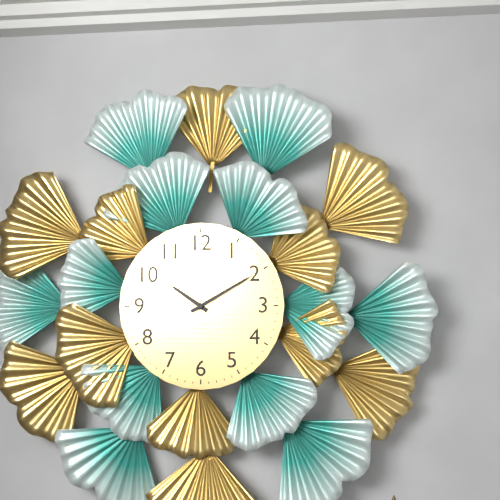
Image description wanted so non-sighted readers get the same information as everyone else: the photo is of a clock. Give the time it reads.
10:10
